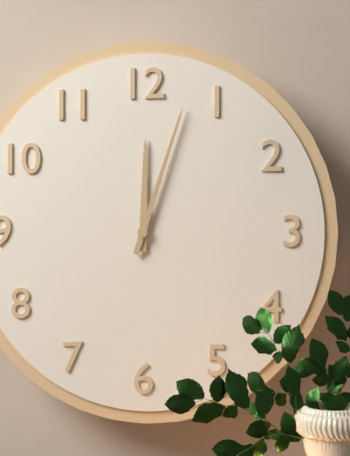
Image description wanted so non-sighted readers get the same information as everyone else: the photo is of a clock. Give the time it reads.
12:03
